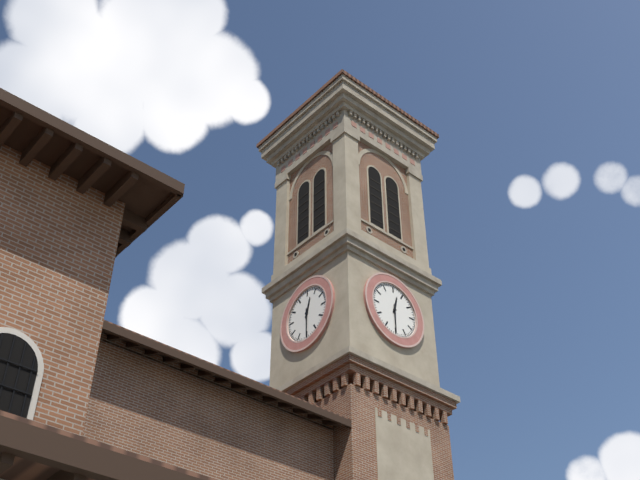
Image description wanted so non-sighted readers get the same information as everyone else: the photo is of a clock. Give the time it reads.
12:30
